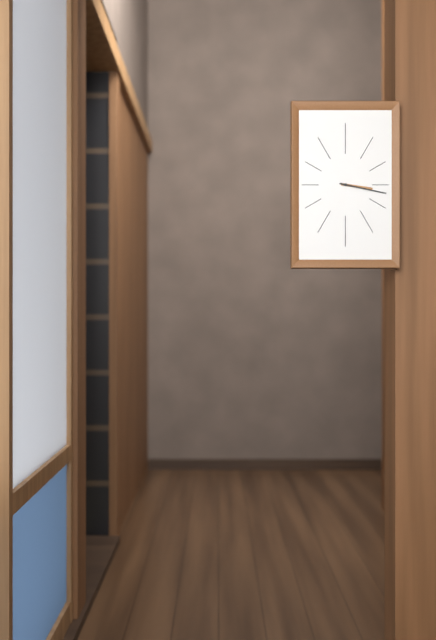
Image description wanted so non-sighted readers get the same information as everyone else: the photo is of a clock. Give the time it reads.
3:17
